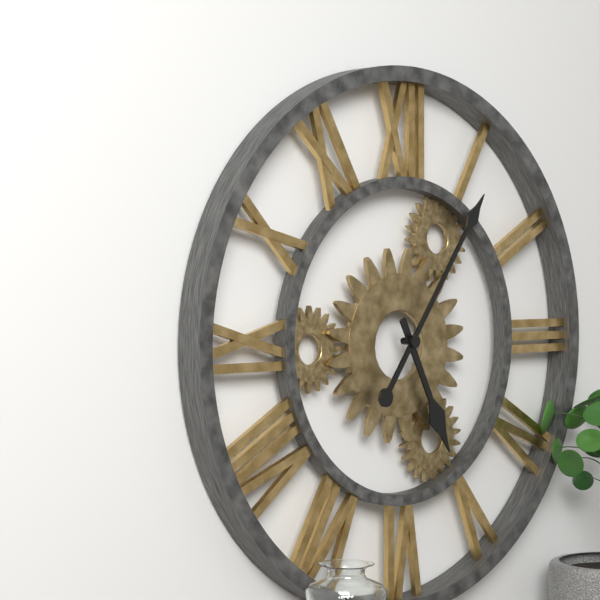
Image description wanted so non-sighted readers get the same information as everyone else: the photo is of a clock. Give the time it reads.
5:06
